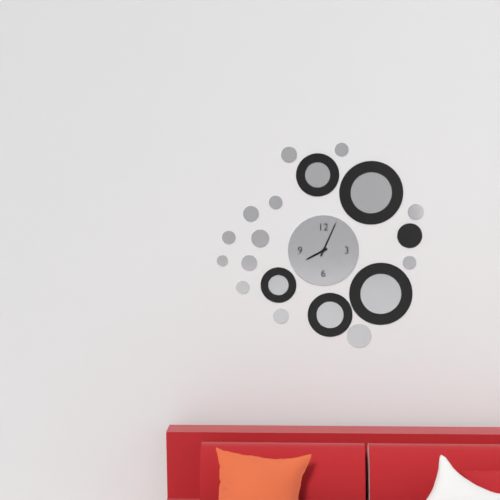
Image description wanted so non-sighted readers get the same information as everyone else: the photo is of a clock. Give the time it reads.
8:04
